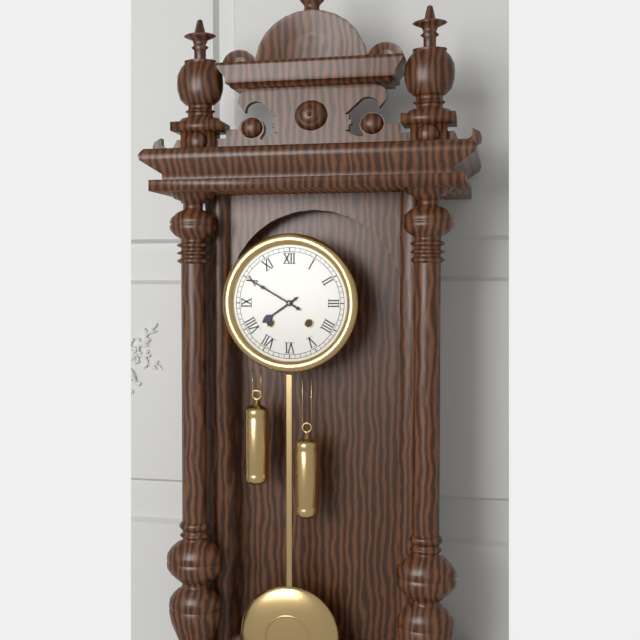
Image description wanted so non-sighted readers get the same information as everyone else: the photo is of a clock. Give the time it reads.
7:50
